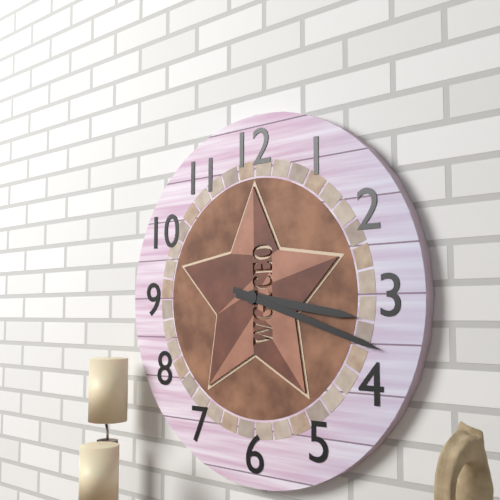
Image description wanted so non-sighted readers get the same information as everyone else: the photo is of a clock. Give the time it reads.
3:18
